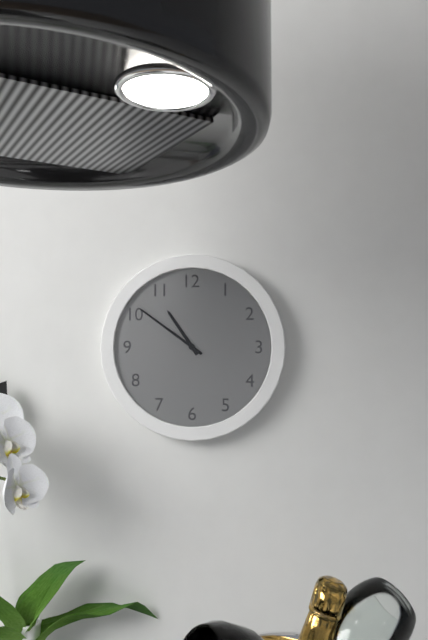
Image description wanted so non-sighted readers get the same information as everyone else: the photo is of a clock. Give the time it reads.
10:51
